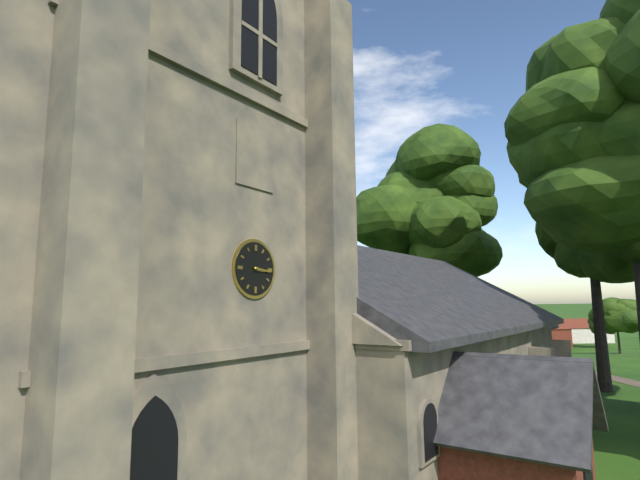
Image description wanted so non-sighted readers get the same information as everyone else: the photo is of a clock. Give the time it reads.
3:16
